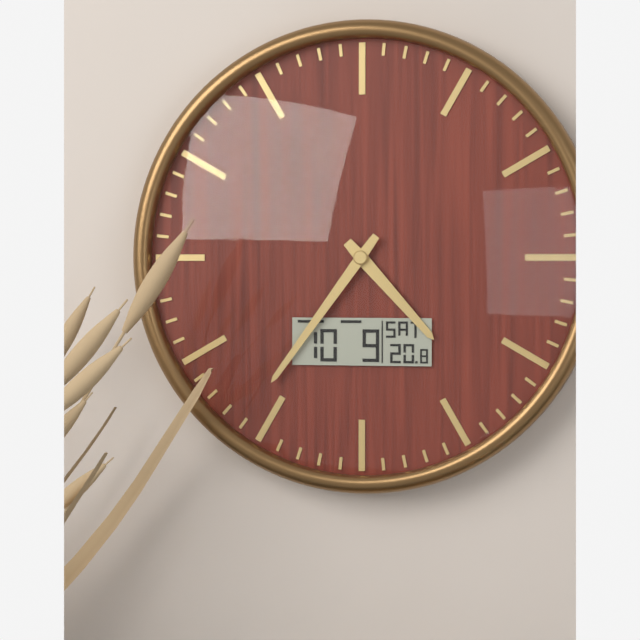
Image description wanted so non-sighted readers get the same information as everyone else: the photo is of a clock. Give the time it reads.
4:36
